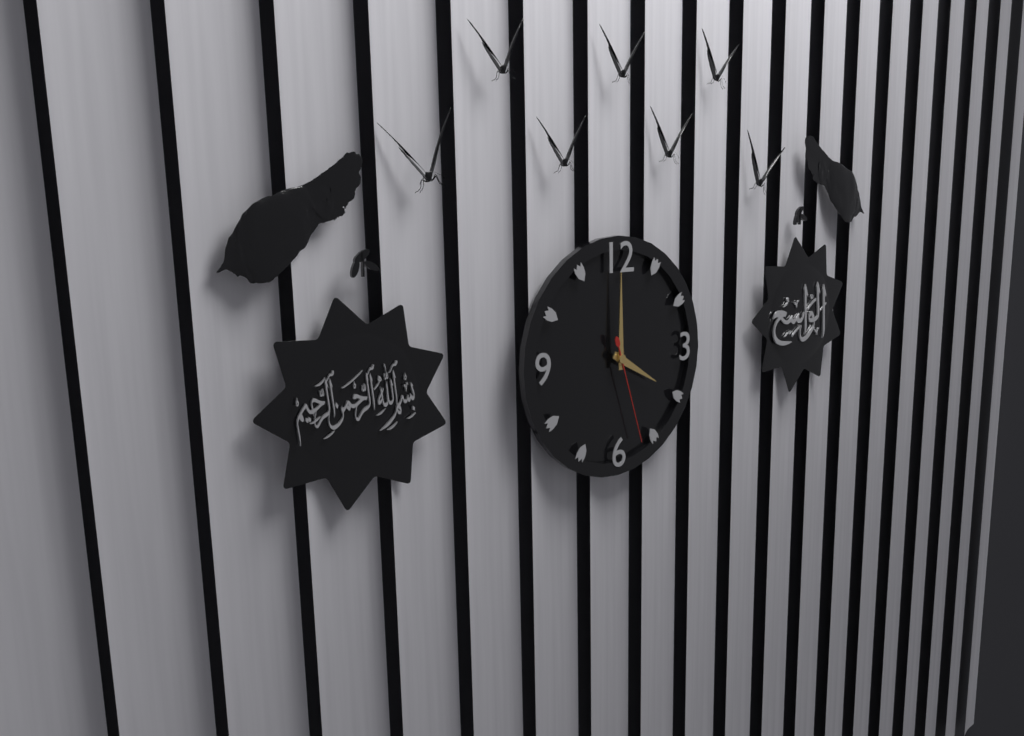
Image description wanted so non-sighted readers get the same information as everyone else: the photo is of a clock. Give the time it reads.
4:00:27
